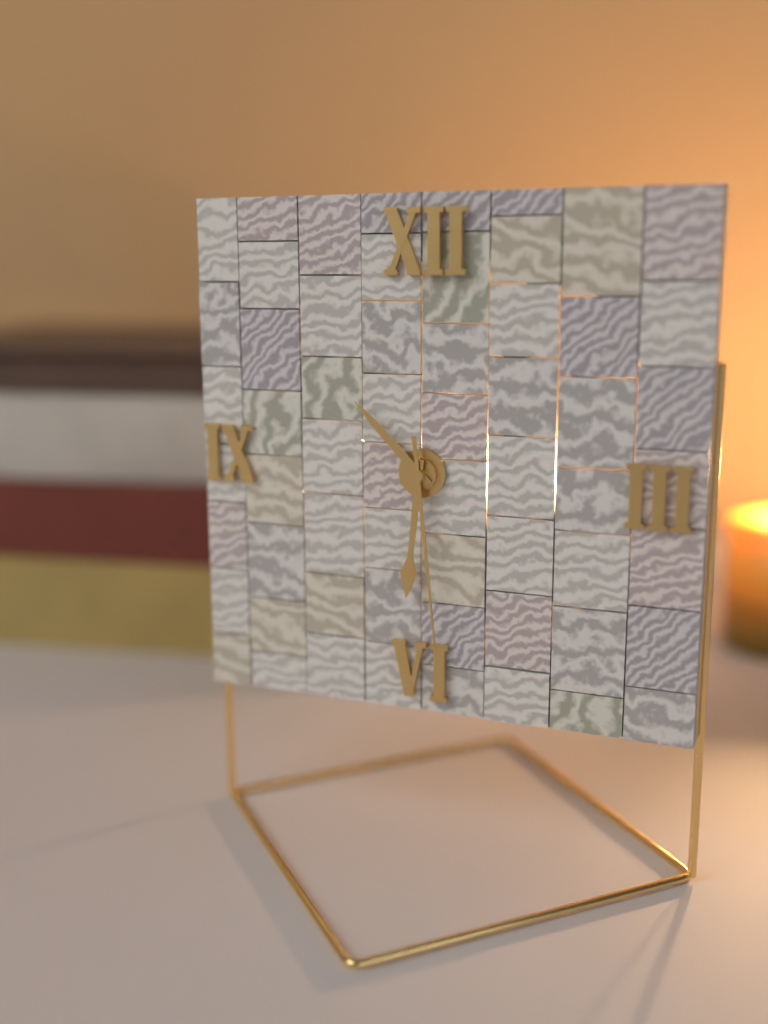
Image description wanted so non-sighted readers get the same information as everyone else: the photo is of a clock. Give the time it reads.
10:31:29
